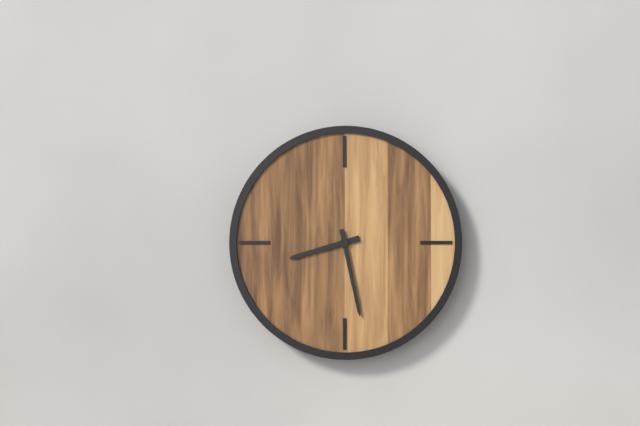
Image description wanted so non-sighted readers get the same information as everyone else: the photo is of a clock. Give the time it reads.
8:28
